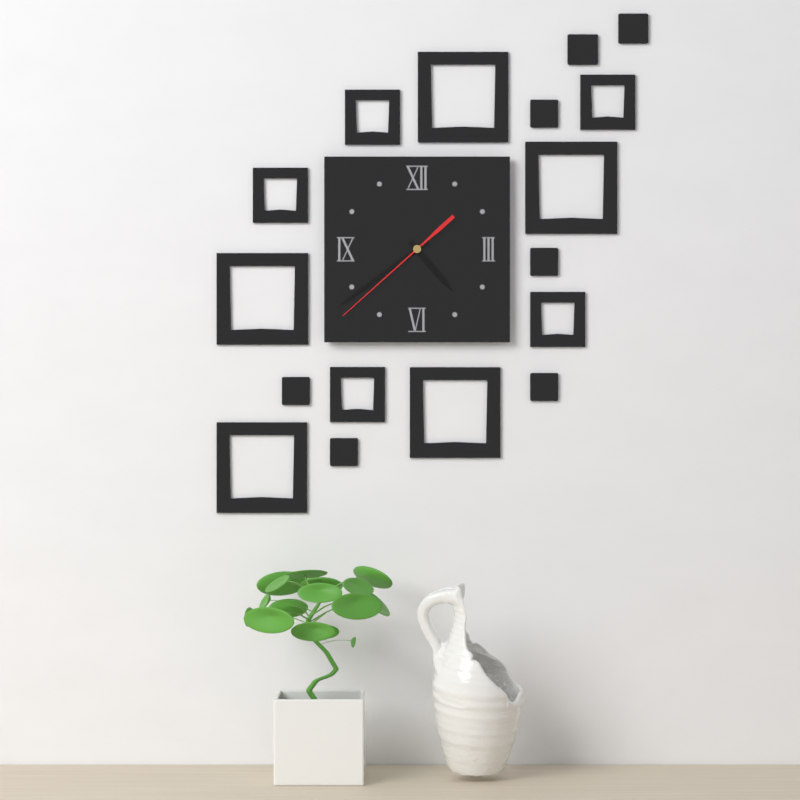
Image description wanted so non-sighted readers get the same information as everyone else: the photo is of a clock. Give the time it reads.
4:39:38
